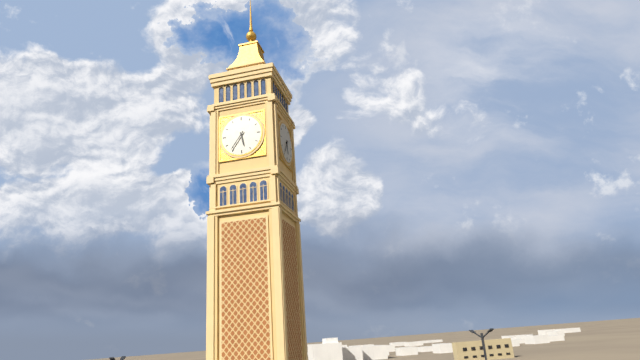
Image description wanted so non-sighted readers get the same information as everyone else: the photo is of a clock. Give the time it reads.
5:36
